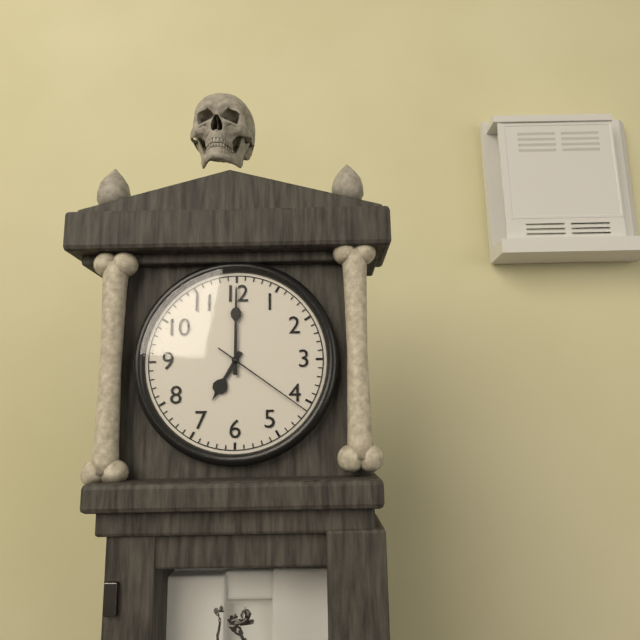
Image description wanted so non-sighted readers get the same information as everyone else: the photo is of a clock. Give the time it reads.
7:00:21
